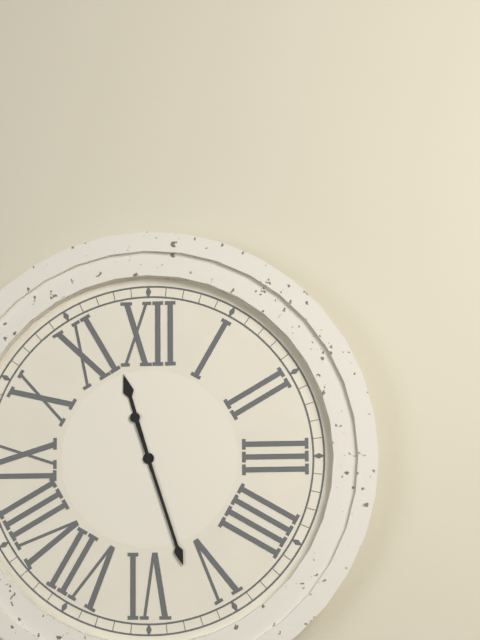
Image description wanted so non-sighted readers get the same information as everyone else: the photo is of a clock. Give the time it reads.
11:27
